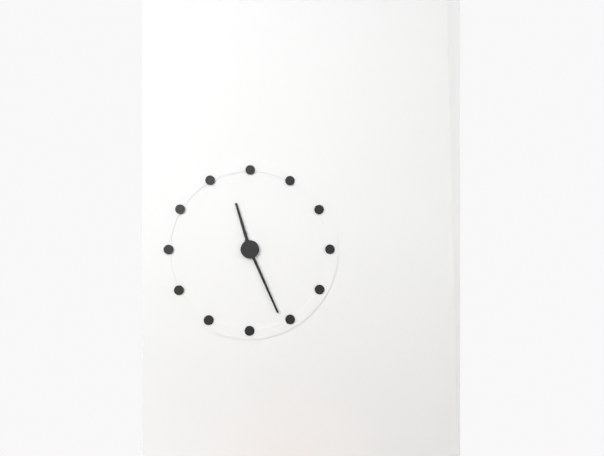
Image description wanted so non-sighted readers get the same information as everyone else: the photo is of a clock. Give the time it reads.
11:26
